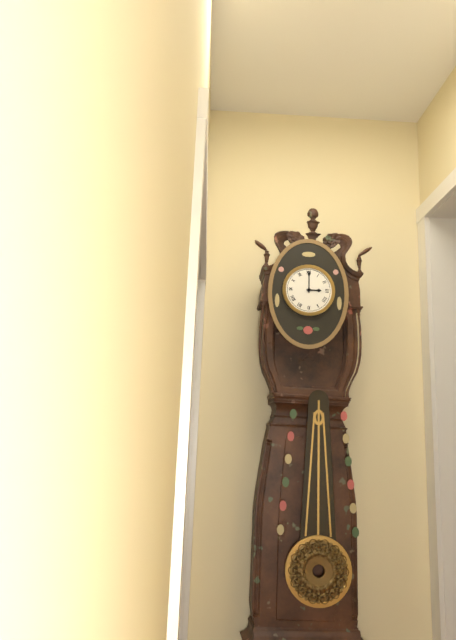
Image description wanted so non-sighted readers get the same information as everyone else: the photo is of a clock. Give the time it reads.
3:00
